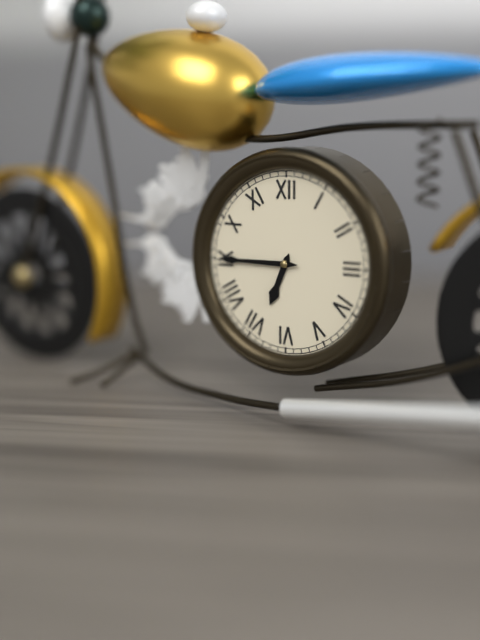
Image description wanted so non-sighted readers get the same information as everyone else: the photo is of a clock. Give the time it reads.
6:45
